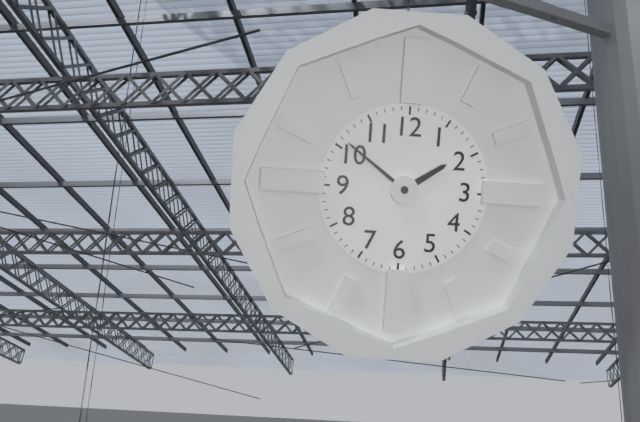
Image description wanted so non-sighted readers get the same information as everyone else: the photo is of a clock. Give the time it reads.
1:51
